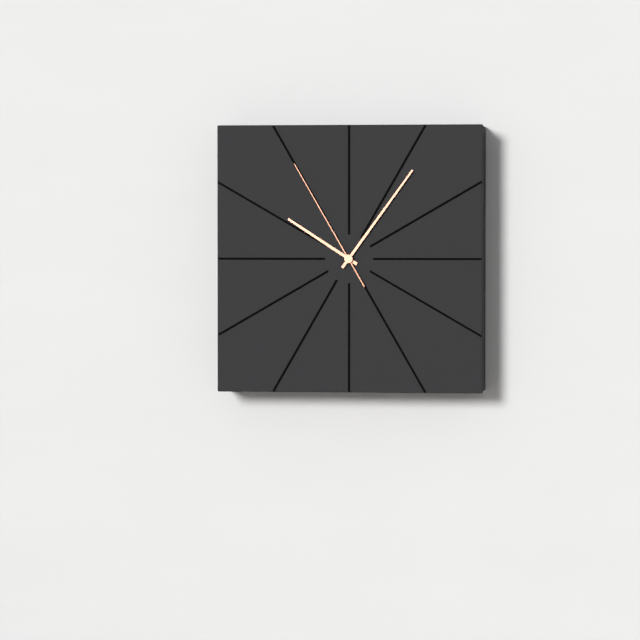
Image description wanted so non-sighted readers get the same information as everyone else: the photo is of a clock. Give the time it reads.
10:06:55
